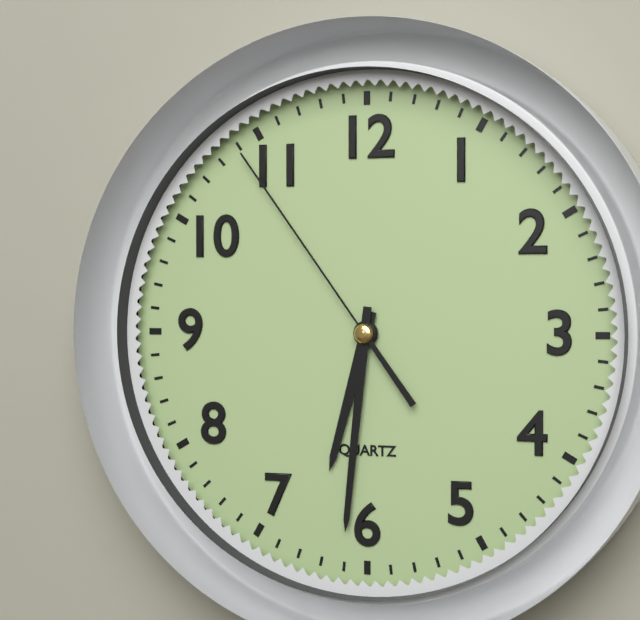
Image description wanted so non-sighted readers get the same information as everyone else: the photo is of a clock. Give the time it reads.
6:31:54
